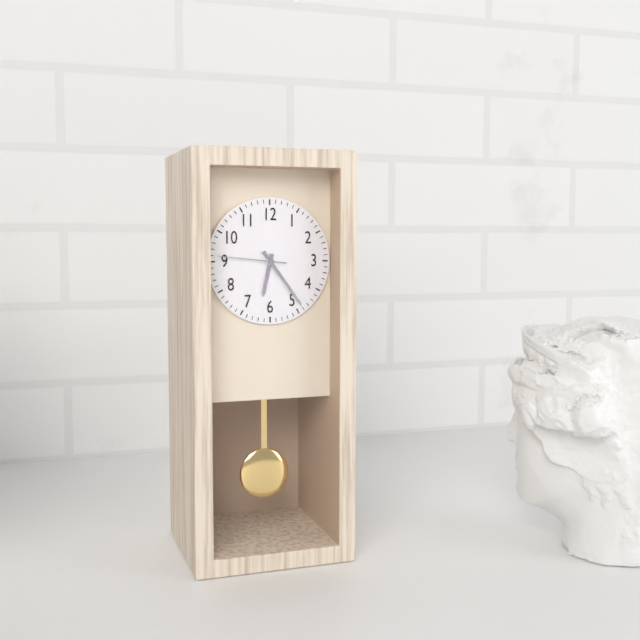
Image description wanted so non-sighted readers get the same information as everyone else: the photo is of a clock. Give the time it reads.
6:24:46
